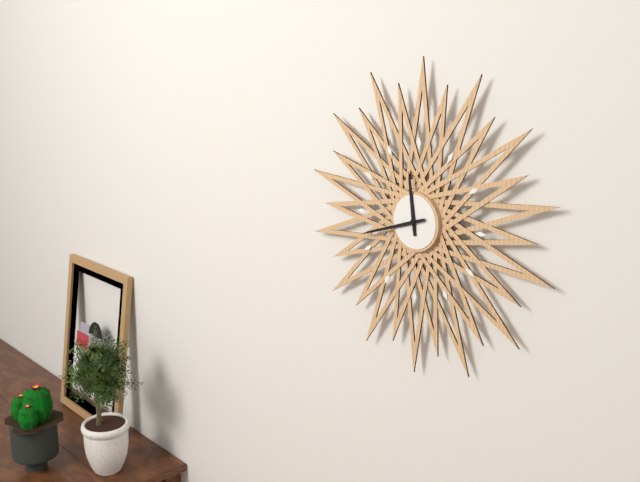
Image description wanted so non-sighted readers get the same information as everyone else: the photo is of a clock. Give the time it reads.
11:42
